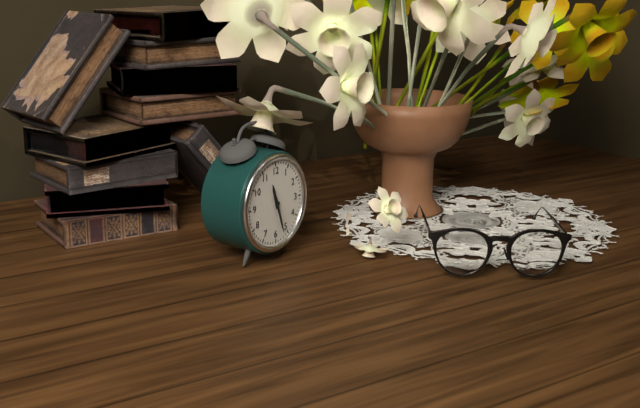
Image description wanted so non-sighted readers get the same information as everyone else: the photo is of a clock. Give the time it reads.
11:27
